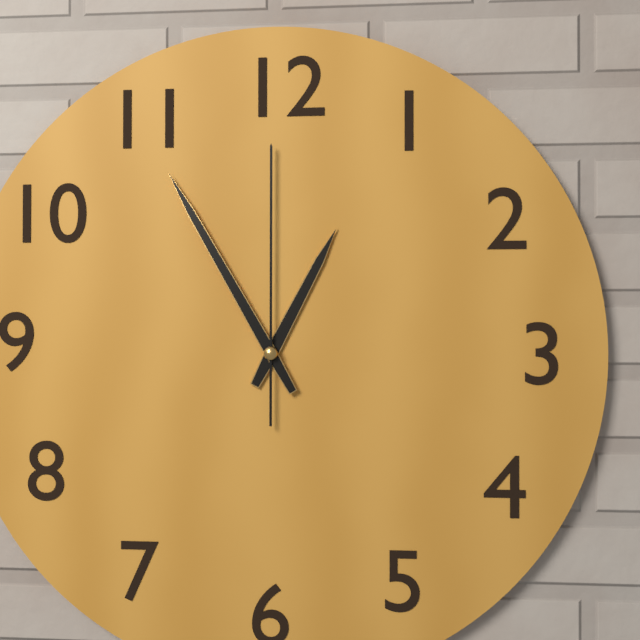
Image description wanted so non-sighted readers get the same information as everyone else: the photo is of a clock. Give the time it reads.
12:55:00
